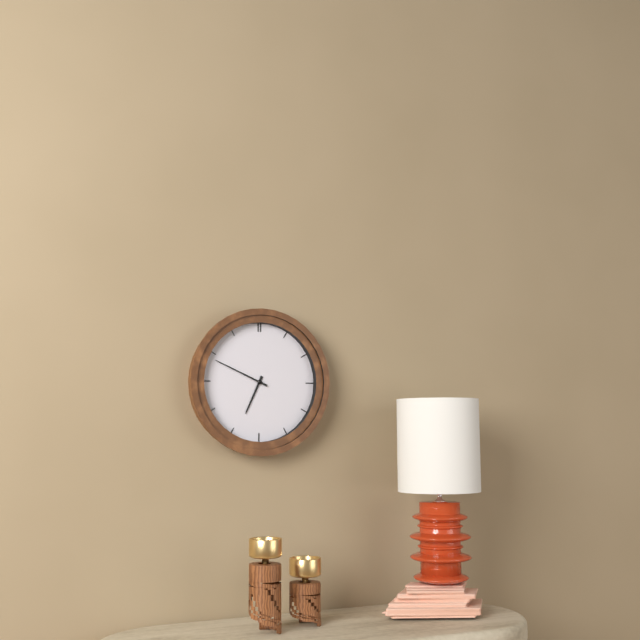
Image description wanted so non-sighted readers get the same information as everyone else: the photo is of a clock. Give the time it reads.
6:49
